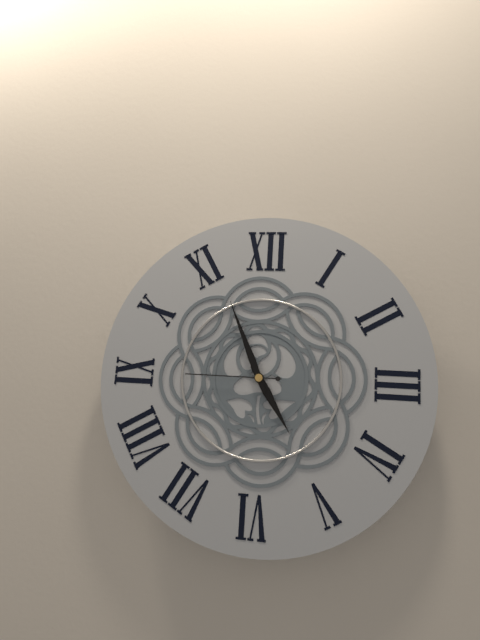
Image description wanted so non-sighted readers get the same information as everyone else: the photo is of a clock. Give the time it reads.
4:56:45
